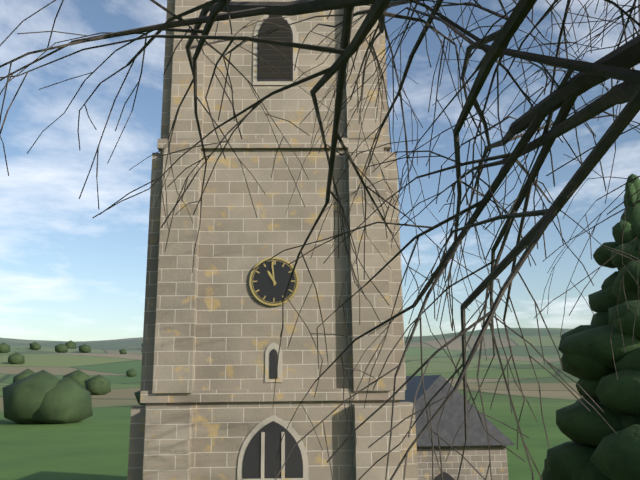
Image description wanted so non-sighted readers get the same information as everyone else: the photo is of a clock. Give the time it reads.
10:59
